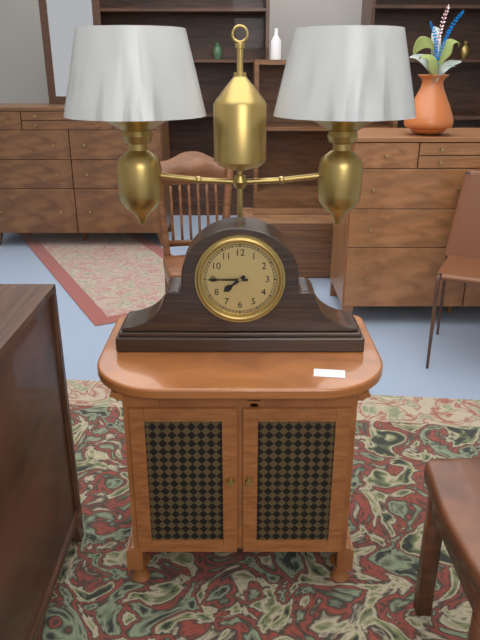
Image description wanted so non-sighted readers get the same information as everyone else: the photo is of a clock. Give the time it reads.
7:45
